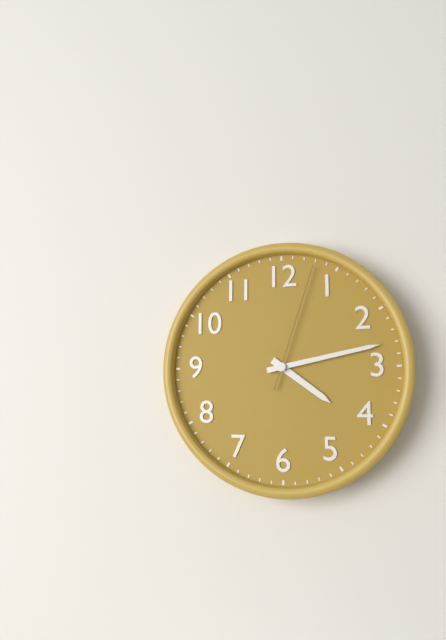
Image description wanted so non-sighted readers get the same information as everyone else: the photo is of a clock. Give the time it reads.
4:13:03
